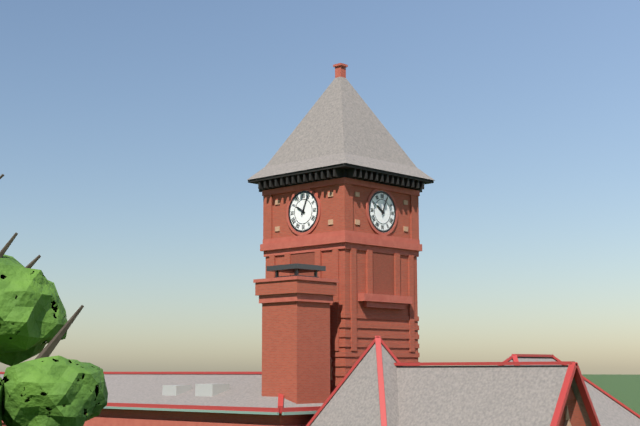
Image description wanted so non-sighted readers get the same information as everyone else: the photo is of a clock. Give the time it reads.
10:04
